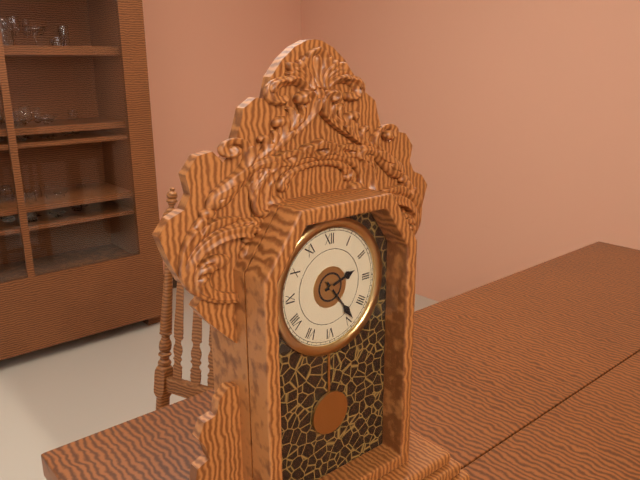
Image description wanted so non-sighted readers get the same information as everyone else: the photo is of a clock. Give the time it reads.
2:24
